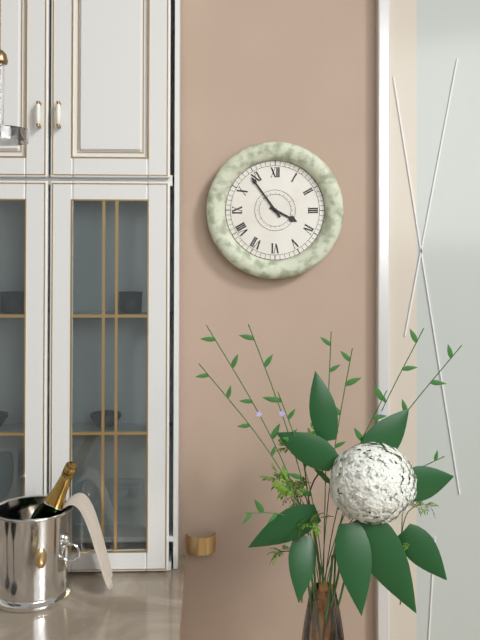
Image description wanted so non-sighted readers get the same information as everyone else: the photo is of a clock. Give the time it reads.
3:54
